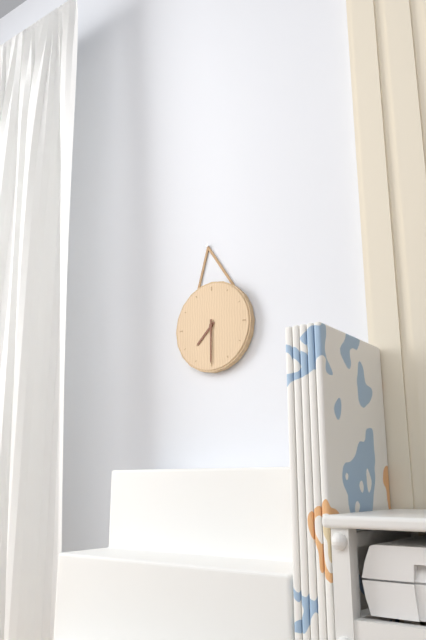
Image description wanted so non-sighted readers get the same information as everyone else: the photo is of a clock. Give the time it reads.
7:30
